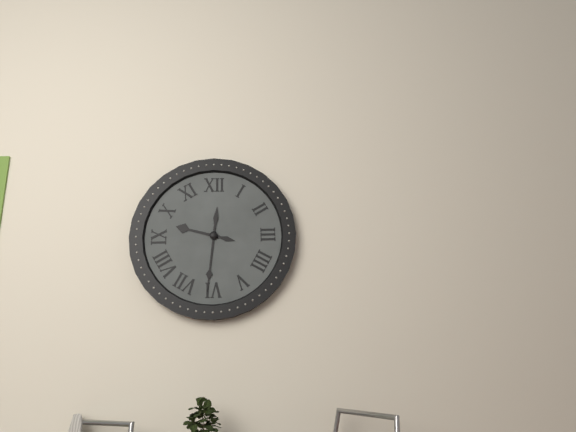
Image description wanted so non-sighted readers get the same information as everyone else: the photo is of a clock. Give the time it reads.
9:31
